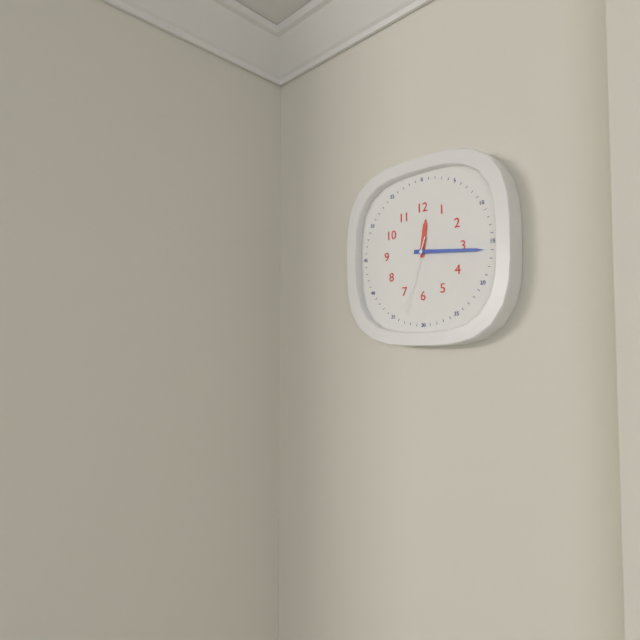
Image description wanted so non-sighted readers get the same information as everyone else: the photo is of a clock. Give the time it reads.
12:16:33
